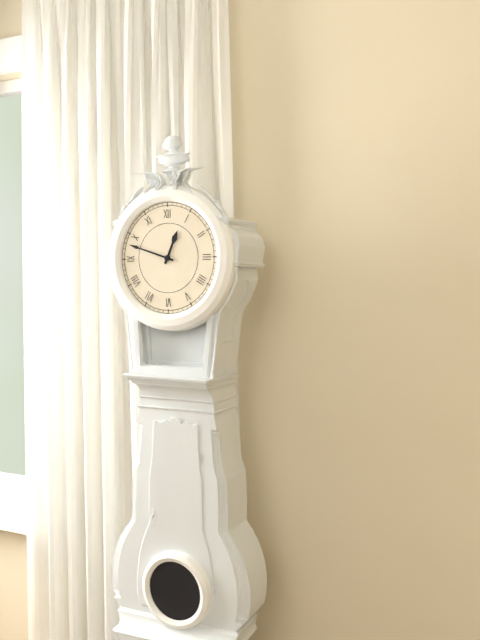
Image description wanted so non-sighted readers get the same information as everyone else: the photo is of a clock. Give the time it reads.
12:48
